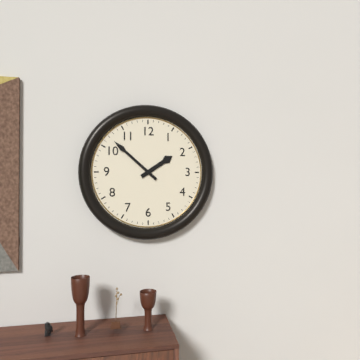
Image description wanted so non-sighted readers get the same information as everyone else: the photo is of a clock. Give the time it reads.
1:52
